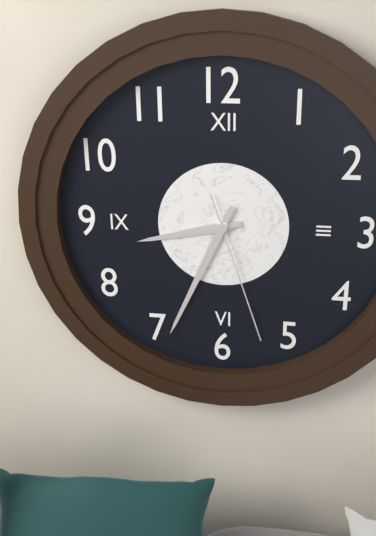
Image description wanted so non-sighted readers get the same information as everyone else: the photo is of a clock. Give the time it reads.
8:34:27
